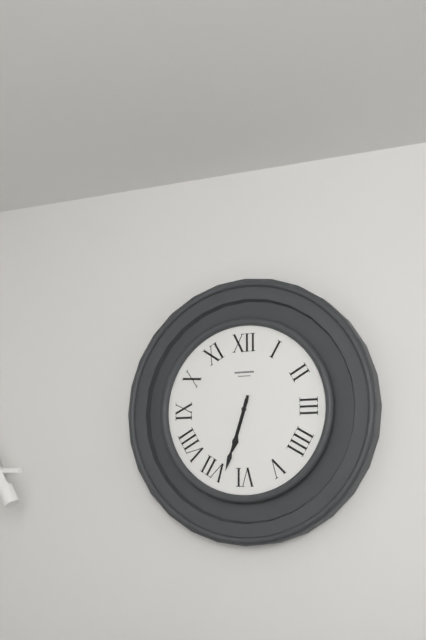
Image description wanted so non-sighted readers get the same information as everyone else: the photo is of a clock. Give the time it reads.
6:33
